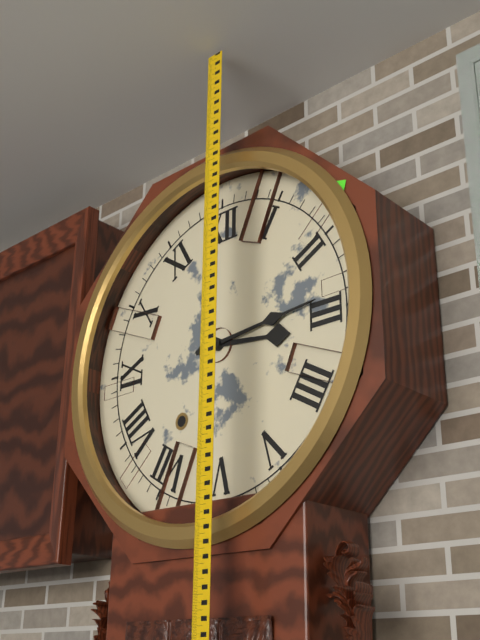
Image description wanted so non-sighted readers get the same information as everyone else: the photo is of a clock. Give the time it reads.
3:14
